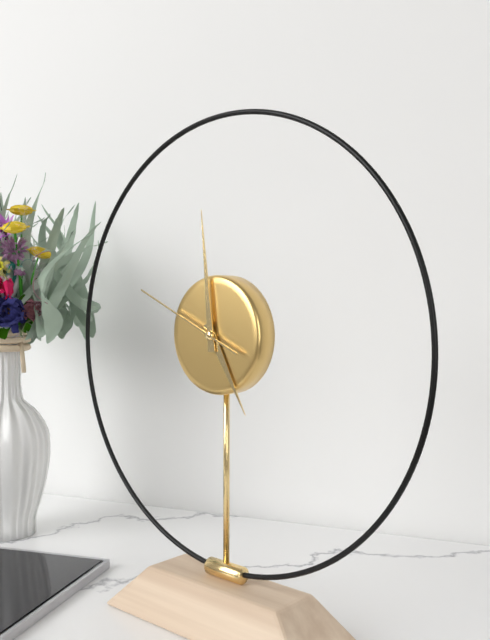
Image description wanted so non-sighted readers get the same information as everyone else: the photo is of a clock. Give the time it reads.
4:59:49
